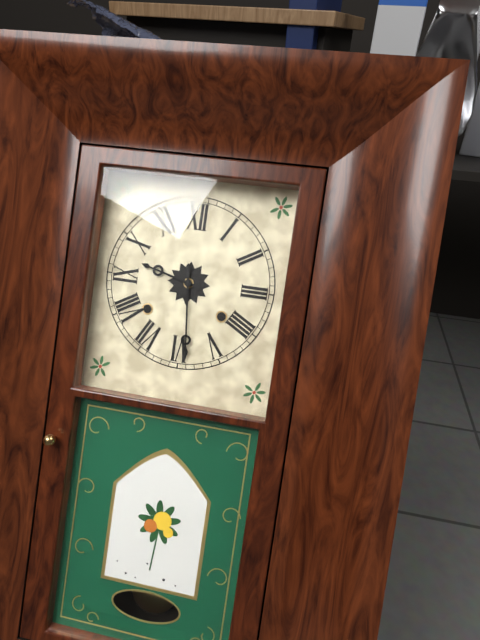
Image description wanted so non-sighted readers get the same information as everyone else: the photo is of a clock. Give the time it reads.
9:29
